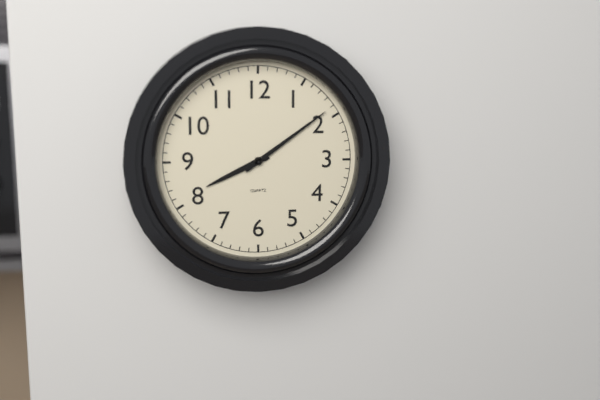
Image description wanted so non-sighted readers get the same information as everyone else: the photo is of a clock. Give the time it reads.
8:09
